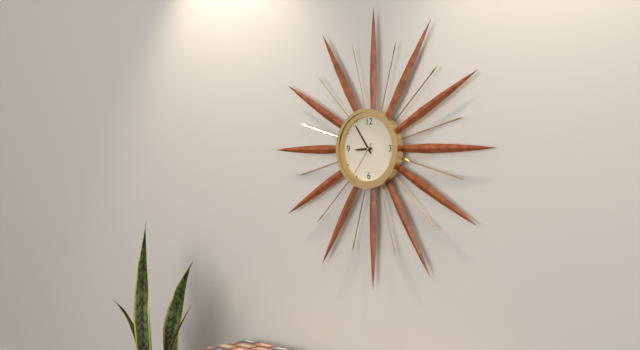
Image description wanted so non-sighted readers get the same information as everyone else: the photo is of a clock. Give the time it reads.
8:54
